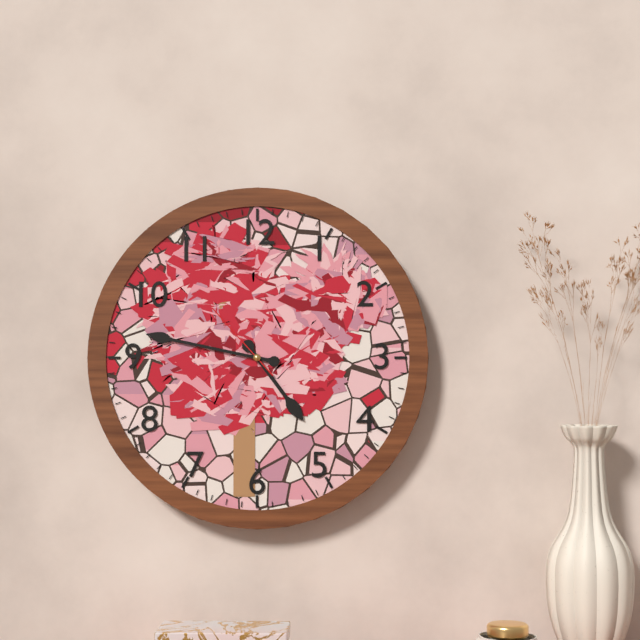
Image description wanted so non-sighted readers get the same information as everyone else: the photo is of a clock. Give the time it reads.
4:47:53
